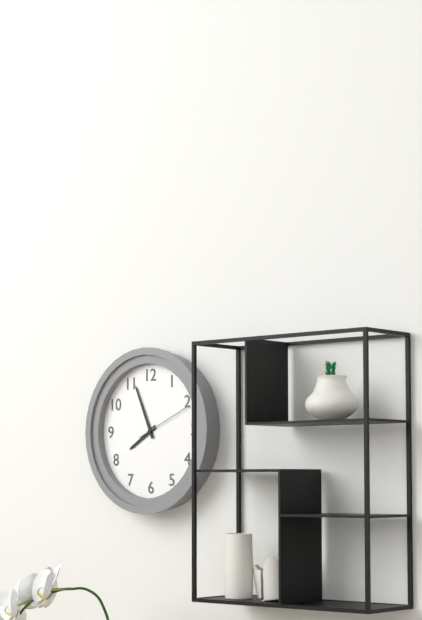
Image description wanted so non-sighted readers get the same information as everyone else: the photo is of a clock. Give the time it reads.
7:56:11
